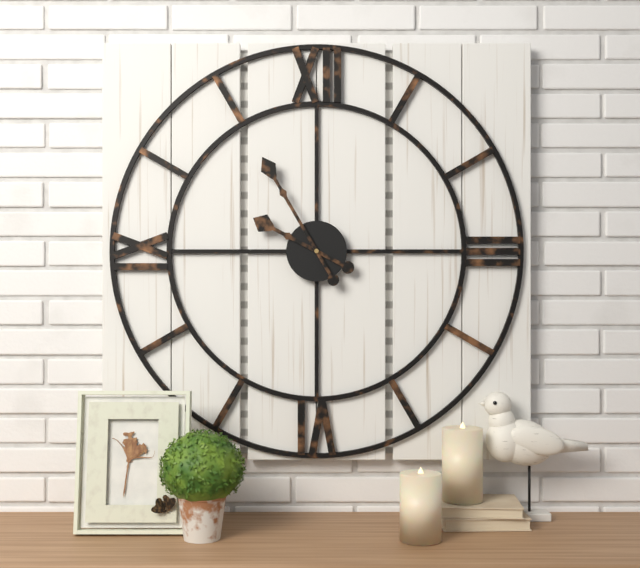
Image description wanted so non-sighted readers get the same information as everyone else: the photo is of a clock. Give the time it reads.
9:55
